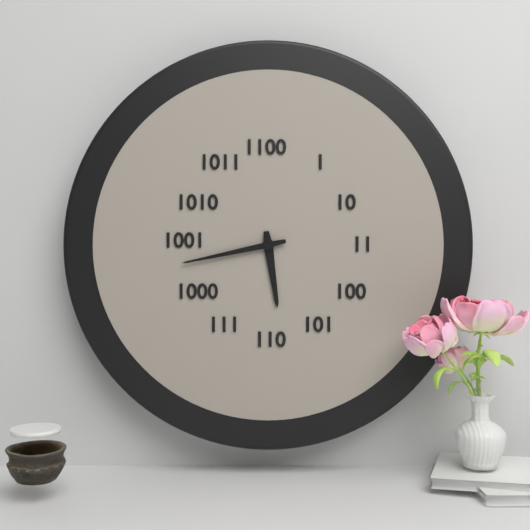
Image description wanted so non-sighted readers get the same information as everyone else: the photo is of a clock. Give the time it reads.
5:43
